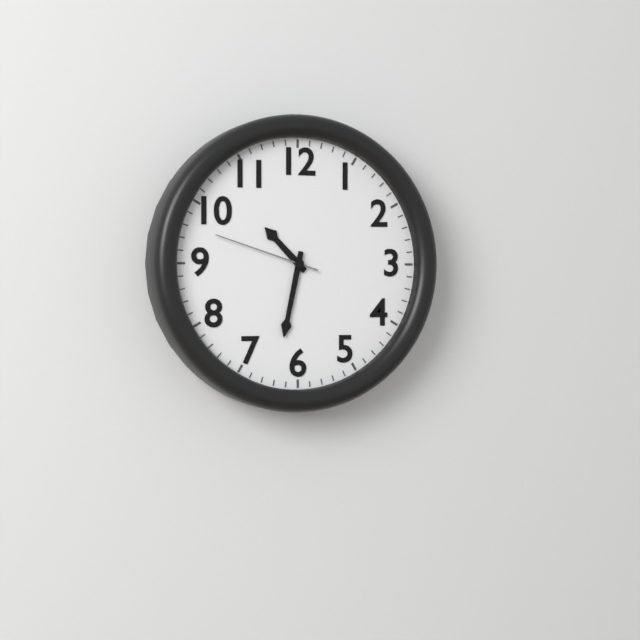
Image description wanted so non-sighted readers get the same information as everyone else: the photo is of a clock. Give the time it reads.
10:32:48
